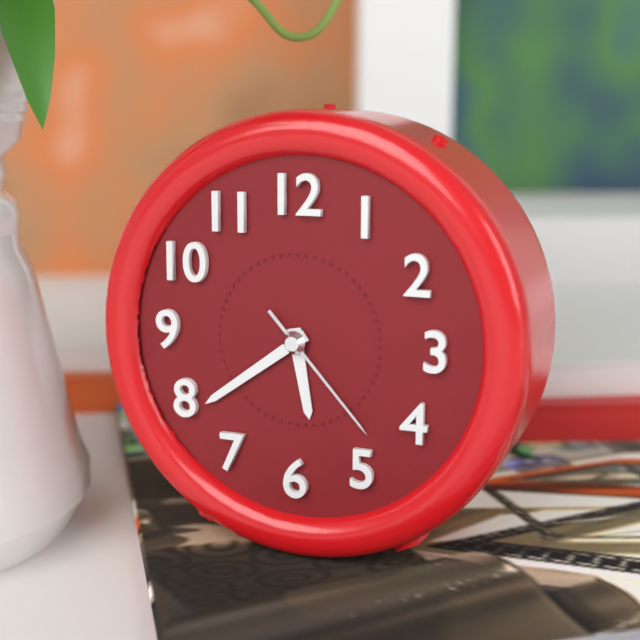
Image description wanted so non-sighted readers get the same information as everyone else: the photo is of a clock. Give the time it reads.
5:39:23
